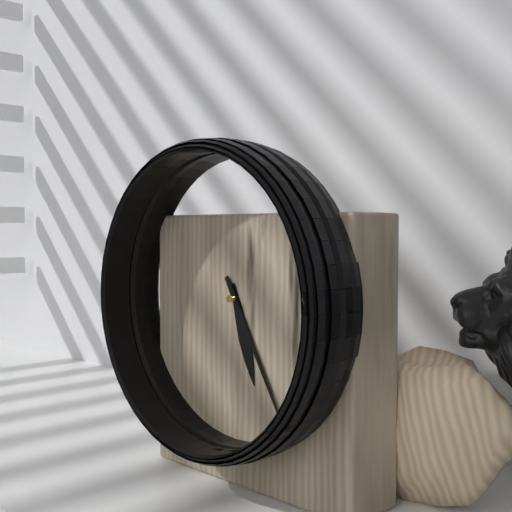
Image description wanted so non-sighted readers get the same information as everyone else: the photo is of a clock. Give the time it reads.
5:25
